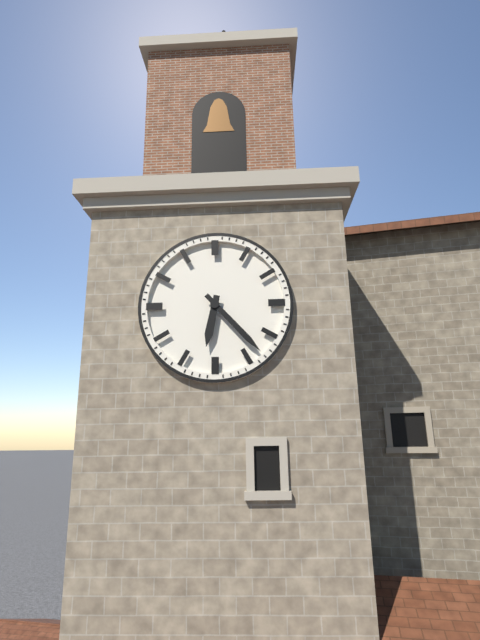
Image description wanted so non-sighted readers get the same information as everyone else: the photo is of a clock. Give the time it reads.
6:23
